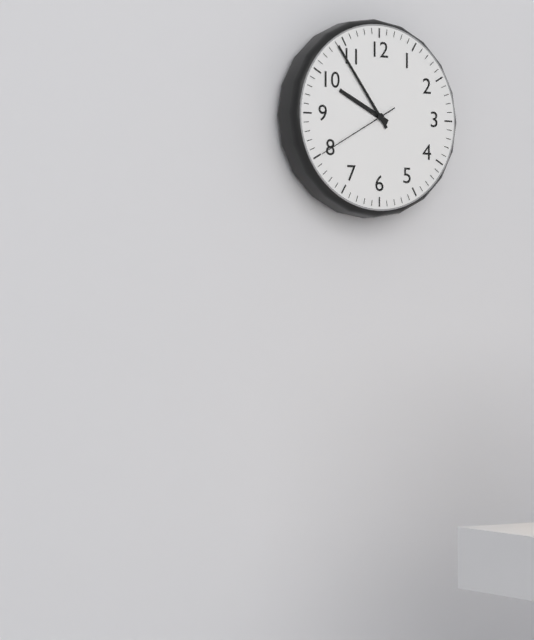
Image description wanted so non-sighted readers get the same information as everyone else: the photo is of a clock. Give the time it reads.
9:54:40
